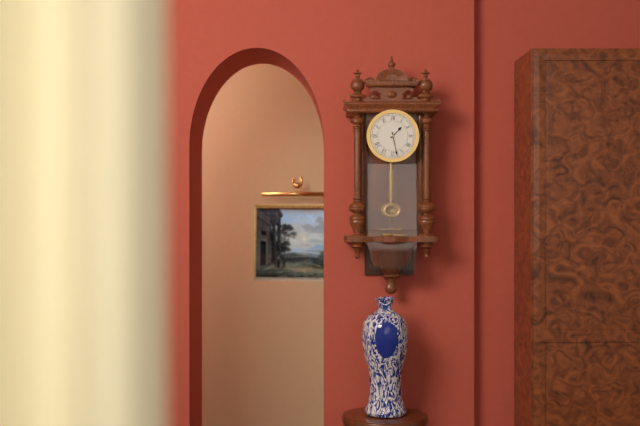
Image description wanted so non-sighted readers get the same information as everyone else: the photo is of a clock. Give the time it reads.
1:28
